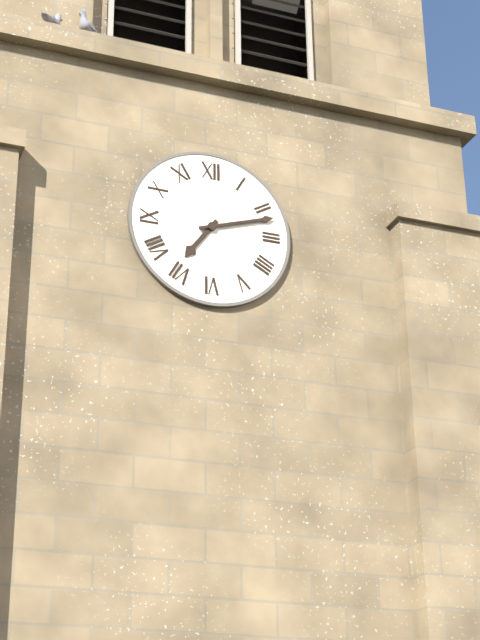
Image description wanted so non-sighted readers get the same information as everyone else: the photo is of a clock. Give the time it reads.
7:12
